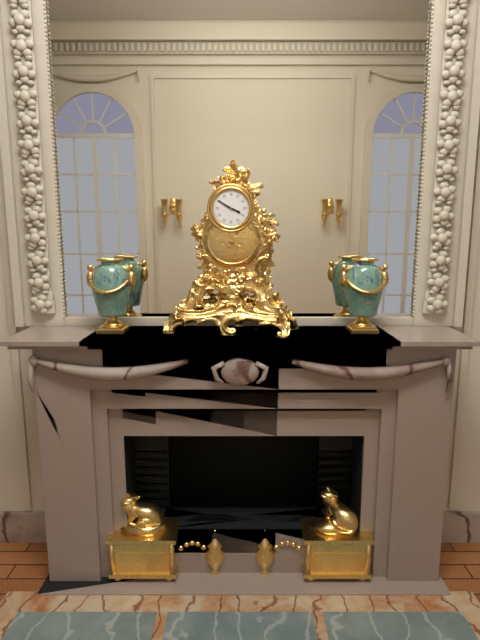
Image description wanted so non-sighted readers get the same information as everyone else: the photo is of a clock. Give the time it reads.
3:50
